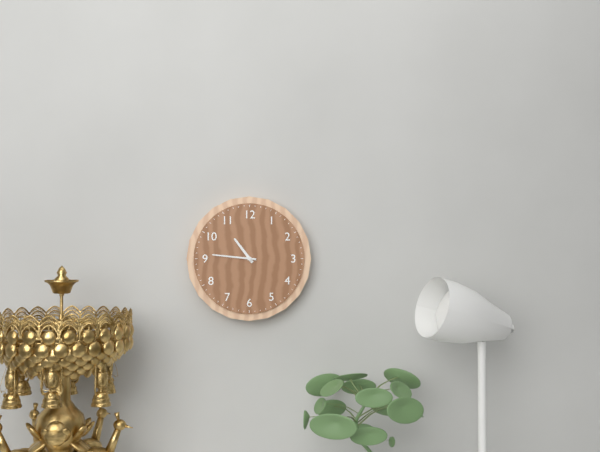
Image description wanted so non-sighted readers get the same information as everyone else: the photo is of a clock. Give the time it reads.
10:46
